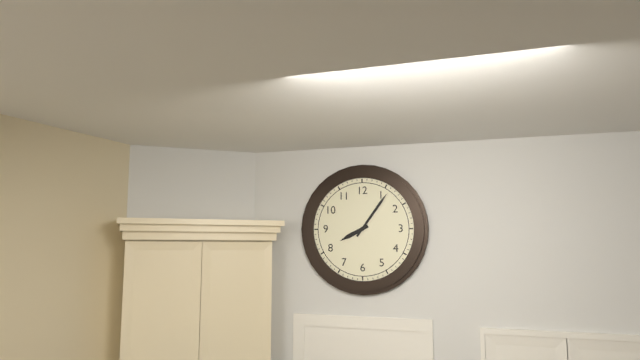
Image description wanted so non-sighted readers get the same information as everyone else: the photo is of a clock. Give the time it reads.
8:06
